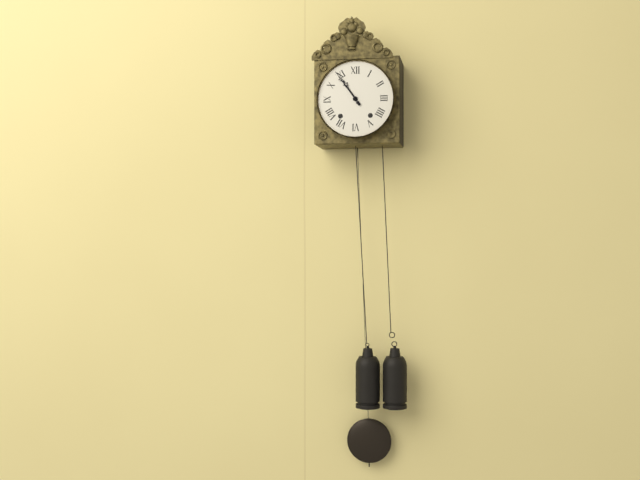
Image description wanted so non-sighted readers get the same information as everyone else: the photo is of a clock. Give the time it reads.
10:54
